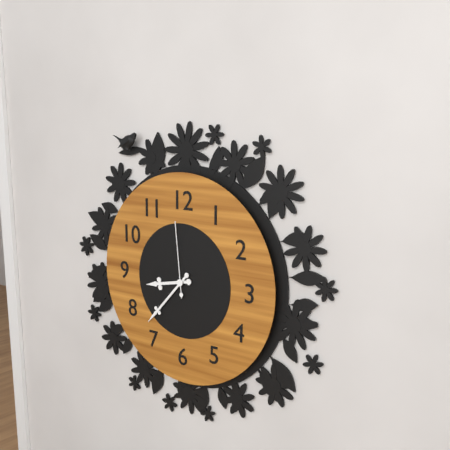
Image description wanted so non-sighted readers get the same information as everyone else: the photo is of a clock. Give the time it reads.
8:37:59
